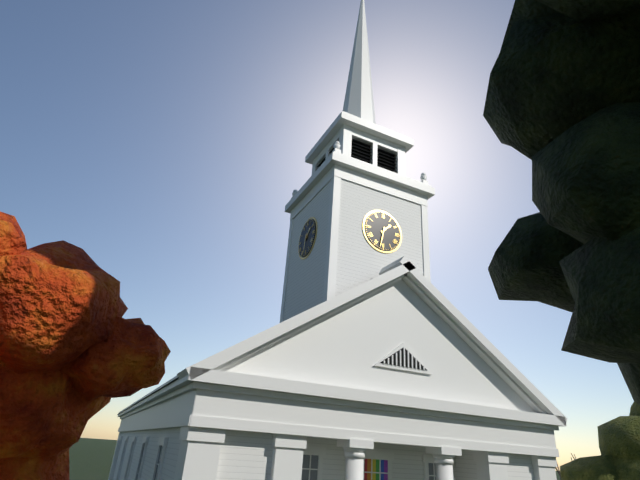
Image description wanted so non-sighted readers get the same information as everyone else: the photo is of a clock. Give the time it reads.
1:32
